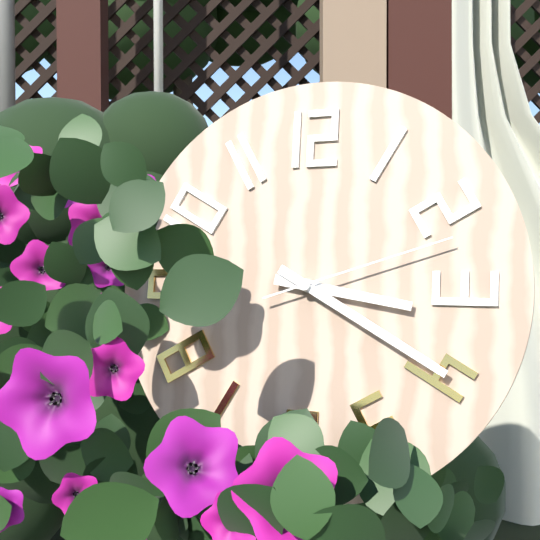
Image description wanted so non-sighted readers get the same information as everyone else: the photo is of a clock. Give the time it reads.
3:20:12
